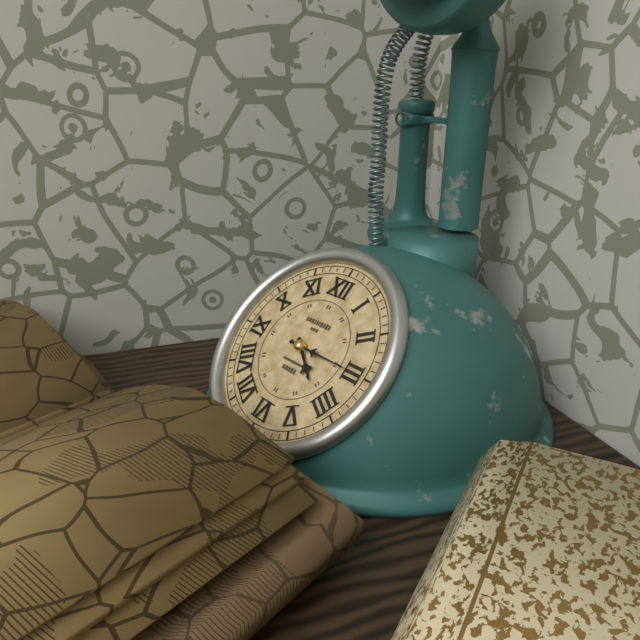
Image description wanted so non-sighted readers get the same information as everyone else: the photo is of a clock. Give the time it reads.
4:15
